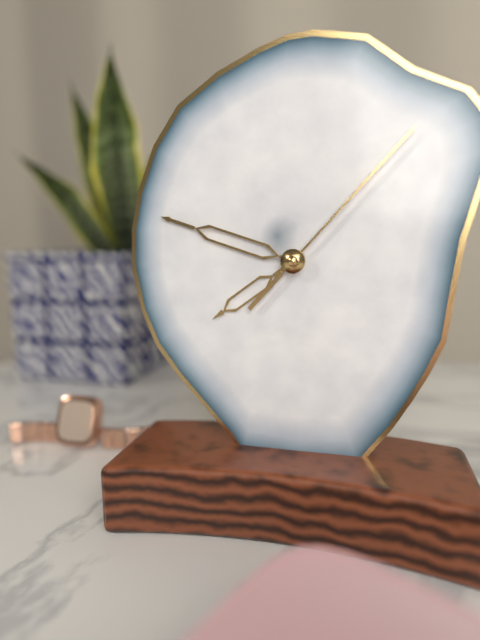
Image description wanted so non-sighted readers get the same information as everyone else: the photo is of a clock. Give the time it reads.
7:48:07
